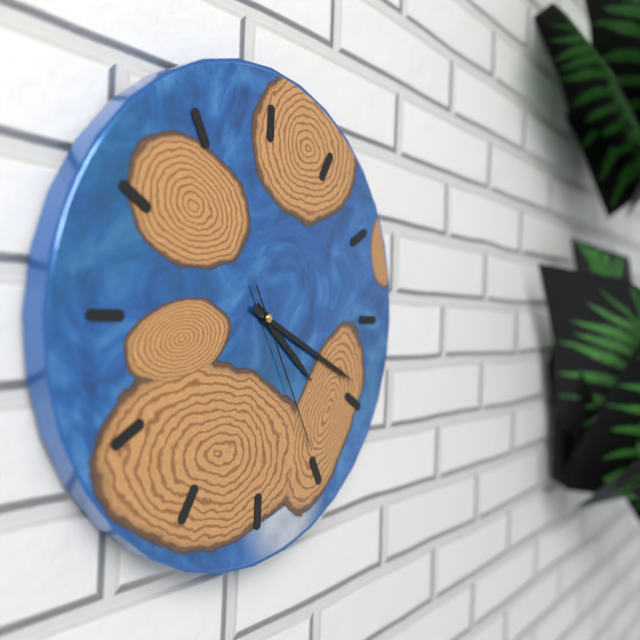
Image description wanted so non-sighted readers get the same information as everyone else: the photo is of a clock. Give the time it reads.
4:19:25
